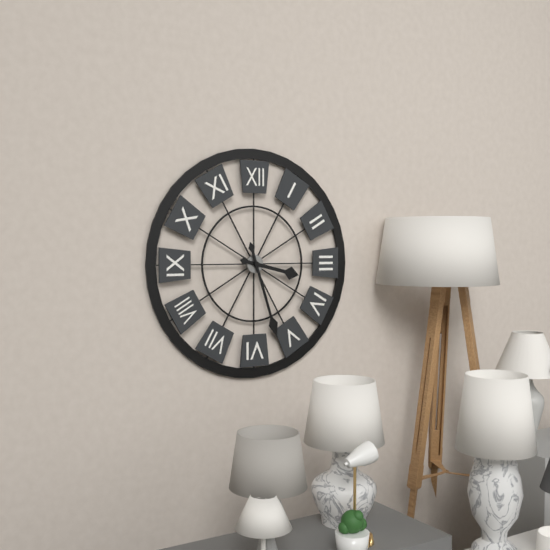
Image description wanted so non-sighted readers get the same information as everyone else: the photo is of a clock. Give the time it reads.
3:27
